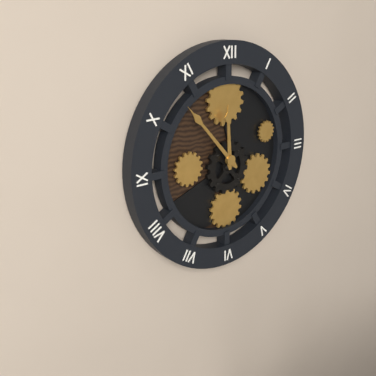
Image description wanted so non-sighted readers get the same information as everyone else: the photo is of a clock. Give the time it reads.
11:53
